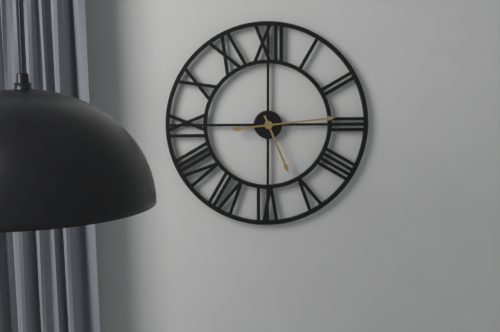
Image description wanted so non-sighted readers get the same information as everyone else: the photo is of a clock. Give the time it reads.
5:14
